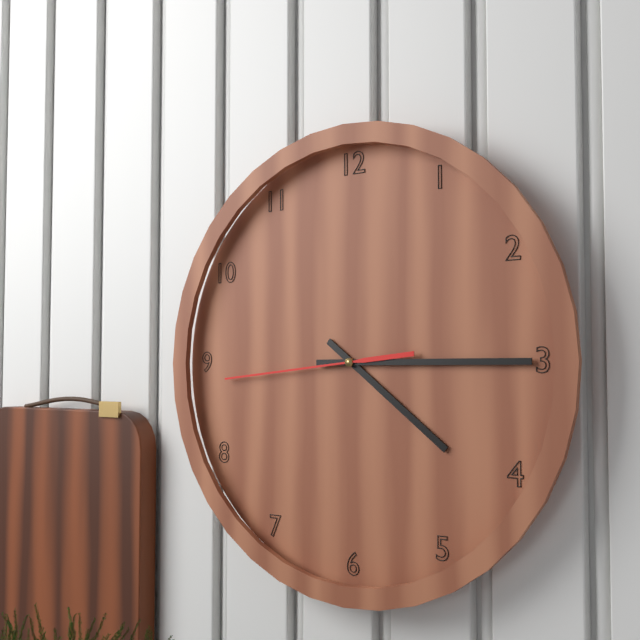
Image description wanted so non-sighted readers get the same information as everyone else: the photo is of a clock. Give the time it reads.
4:15:44
